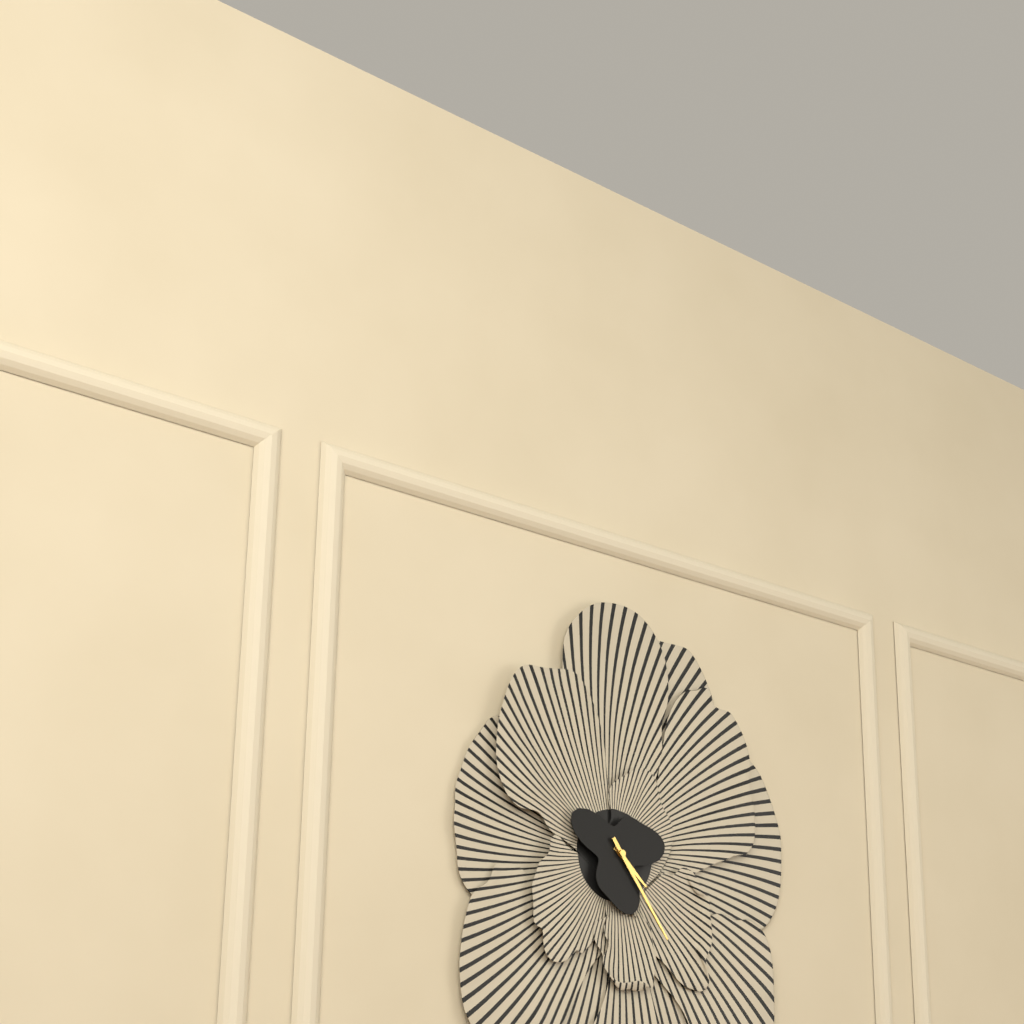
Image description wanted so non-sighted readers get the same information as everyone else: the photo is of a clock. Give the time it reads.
4:24
